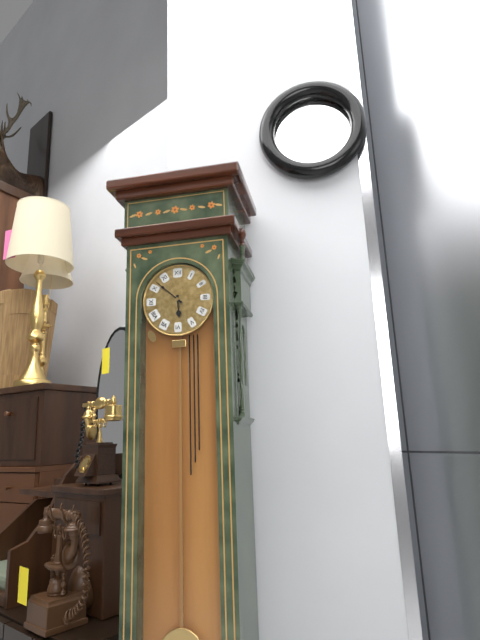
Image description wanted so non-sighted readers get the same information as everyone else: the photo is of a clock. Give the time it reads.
5:52
